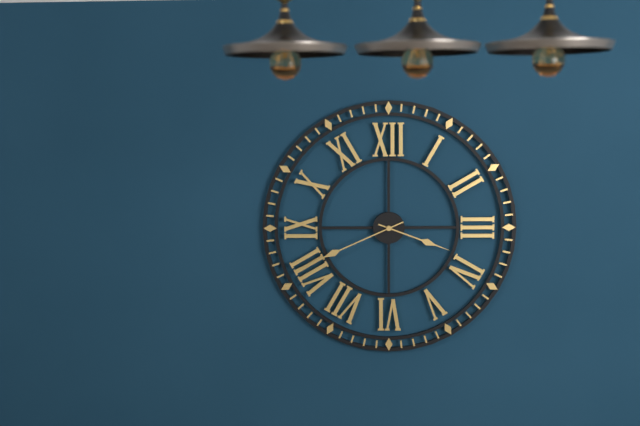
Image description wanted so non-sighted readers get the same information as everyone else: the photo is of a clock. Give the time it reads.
3:41
